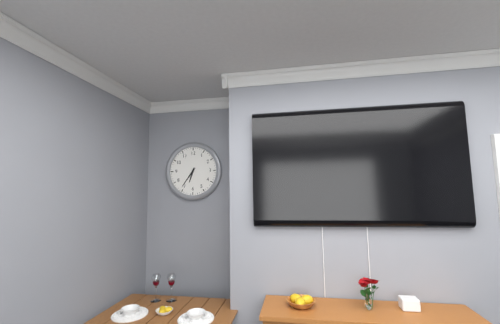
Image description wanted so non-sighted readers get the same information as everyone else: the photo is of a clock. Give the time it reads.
6:36
